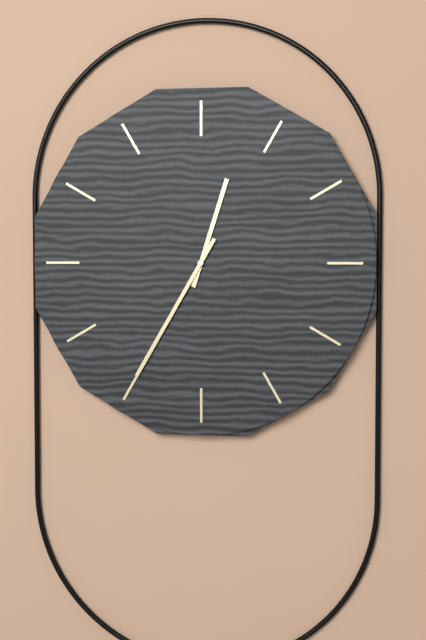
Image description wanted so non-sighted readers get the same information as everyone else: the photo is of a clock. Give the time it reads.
12:35
